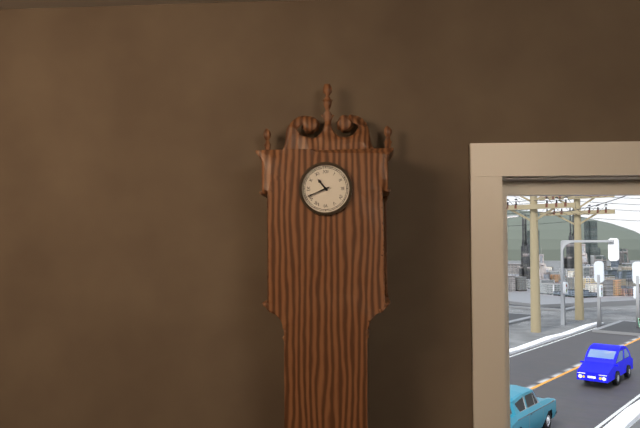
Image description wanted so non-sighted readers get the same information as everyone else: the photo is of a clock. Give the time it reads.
10:41
